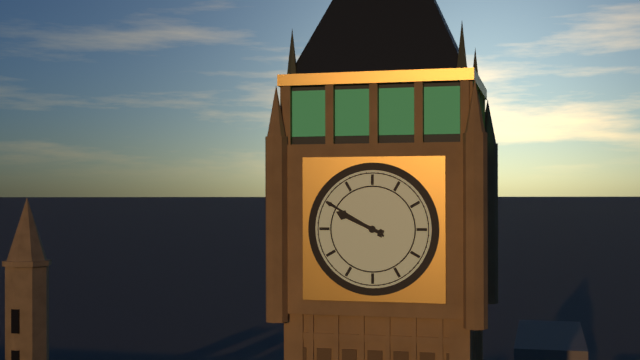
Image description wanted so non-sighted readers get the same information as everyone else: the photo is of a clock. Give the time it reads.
9:50
